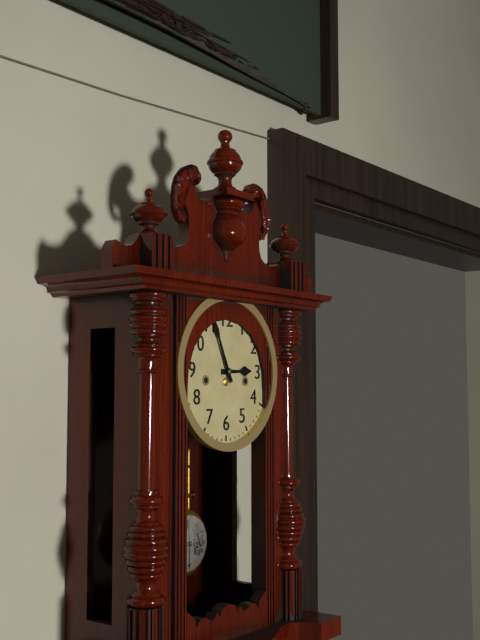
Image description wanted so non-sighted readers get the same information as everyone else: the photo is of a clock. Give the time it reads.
2:56
